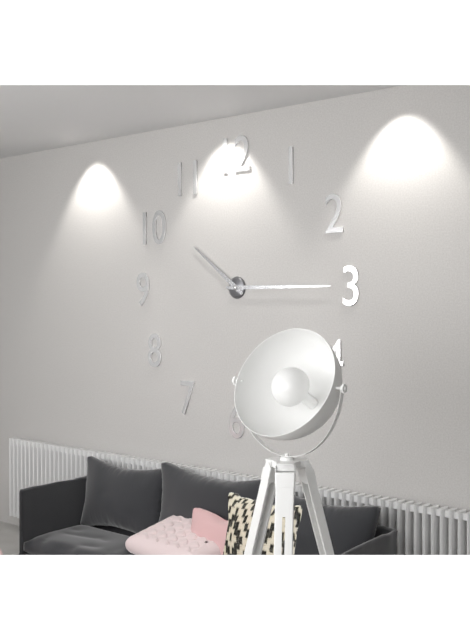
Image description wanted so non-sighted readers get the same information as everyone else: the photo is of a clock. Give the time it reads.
10:15
